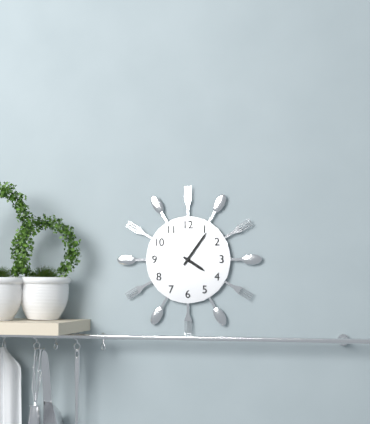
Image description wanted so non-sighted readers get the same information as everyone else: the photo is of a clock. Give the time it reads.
4:06
